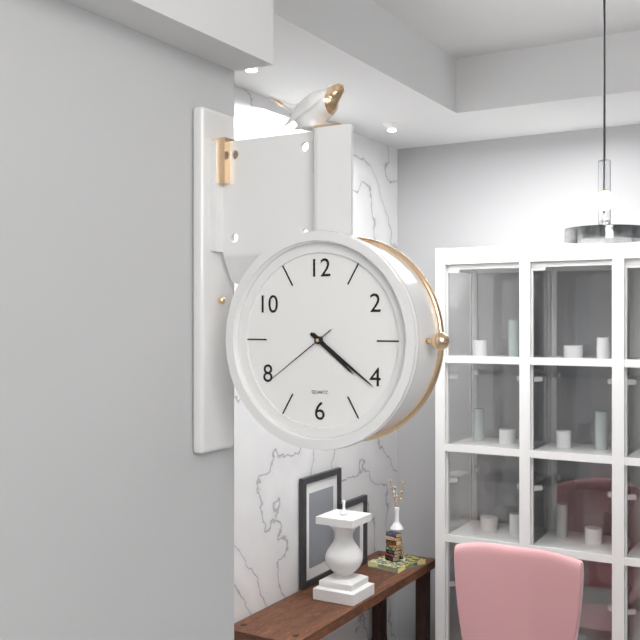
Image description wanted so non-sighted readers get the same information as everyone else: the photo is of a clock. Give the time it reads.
4:21:39
